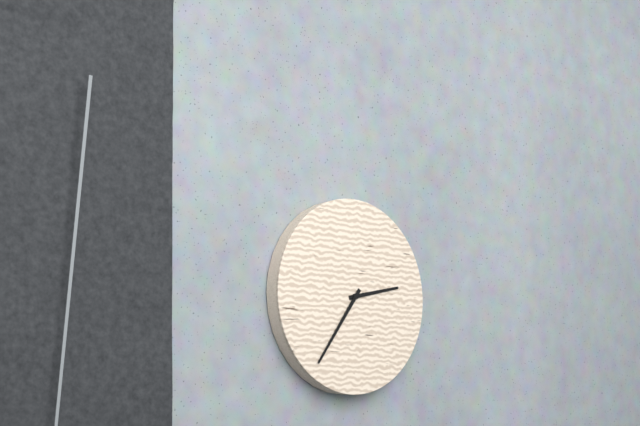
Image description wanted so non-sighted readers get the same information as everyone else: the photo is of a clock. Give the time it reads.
2:36
